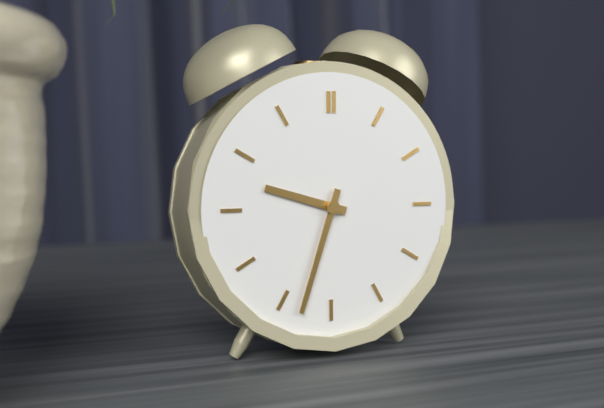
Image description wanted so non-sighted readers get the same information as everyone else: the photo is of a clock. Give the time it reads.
9:33
